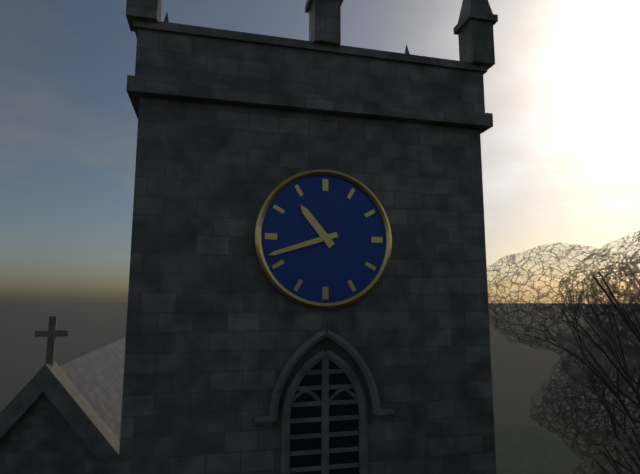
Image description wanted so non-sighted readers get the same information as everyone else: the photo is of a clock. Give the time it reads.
10:42
